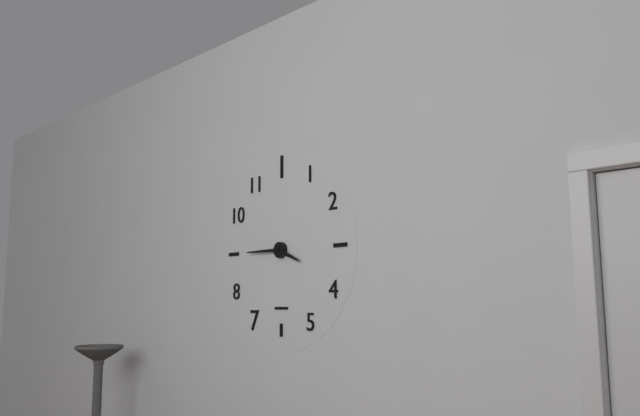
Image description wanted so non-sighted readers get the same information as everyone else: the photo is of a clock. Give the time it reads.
3:45
